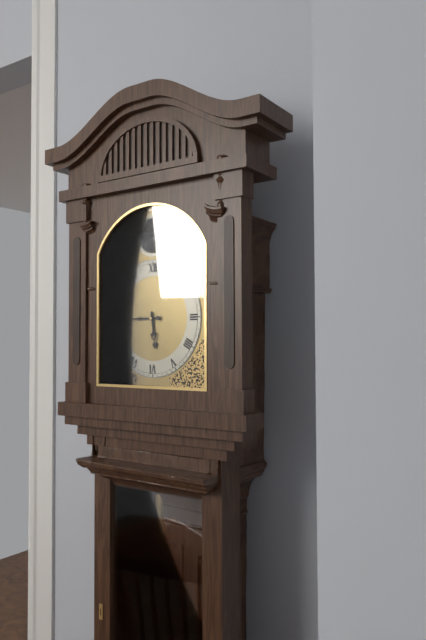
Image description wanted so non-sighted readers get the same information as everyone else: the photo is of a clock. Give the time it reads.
5:45
